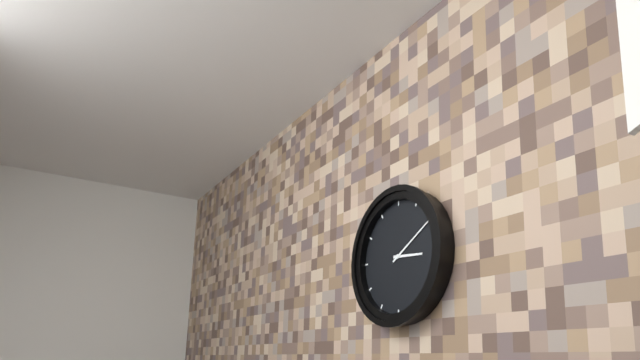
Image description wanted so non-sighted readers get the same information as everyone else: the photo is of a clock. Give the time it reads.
3:10
